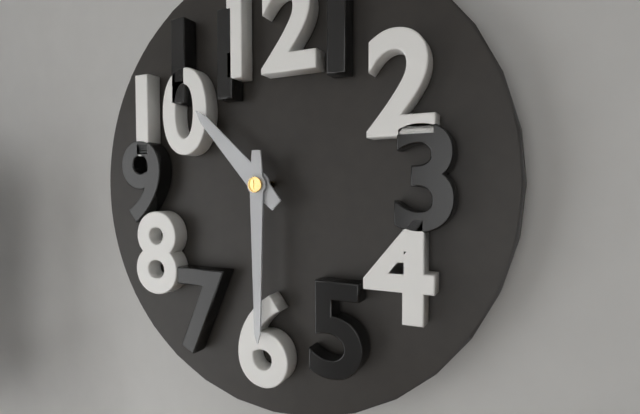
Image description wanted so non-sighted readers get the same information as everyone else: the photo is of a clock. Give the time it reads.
10:30
